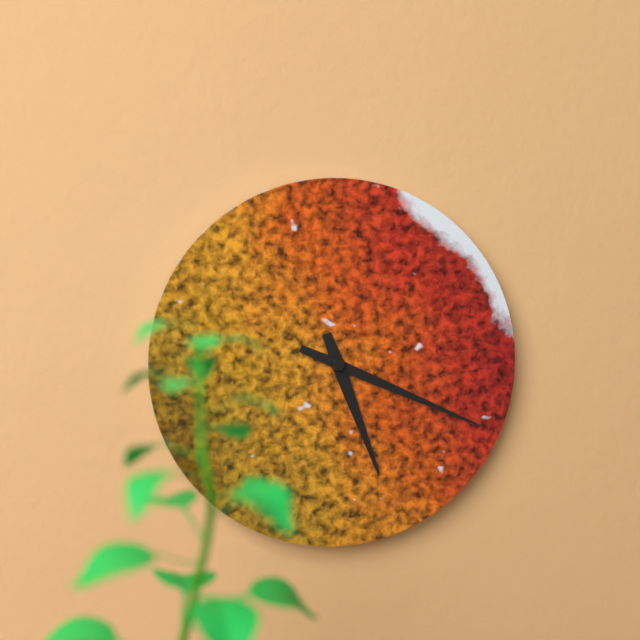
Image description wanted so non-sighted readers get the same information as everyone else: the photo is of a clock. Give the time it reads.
5:19
